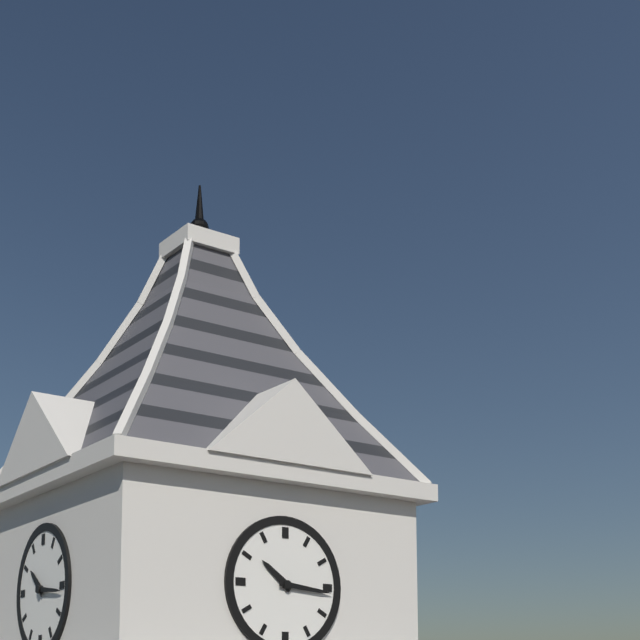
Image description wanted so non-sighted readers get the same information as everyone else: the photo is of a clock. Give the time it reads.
10:16
